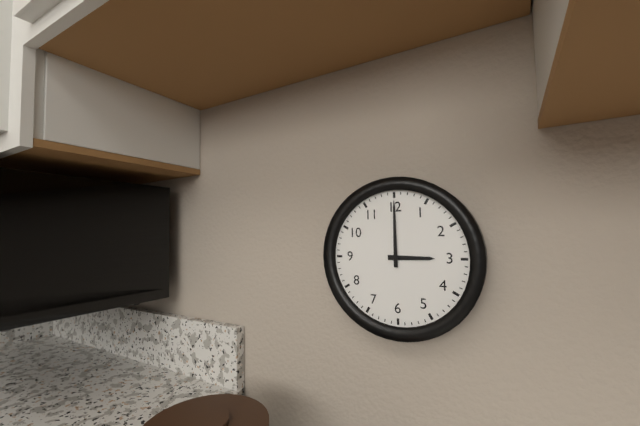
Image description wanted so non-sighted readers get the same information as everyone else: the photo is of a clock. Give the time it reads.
3:00
